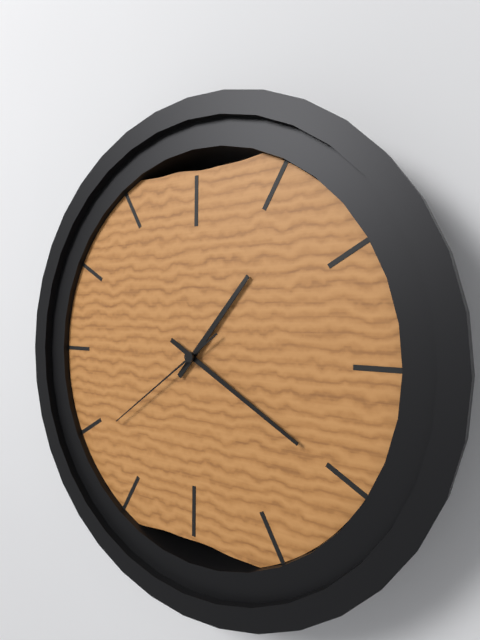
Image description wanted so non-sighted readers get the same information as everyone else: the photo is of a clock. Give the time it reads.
1:20:39
